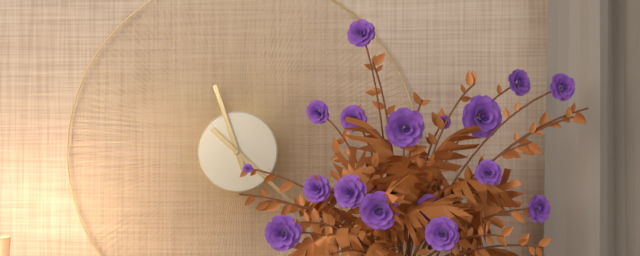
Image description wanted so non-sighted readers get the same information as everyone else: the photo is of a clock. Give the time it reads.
11:22
